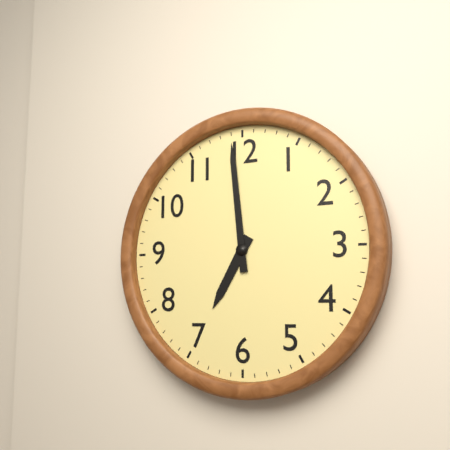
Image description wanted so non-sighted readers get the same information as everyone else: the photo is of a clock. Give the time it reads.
6:59
